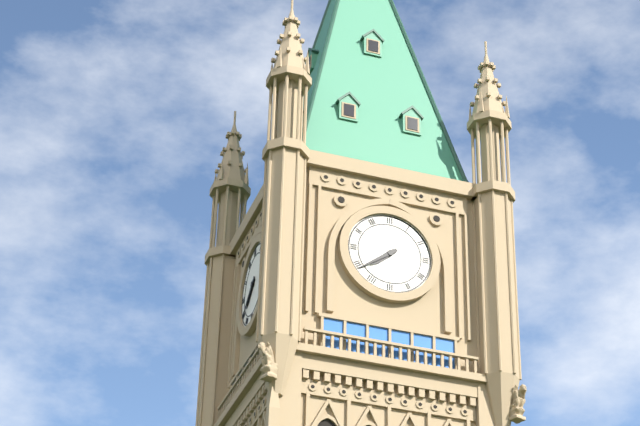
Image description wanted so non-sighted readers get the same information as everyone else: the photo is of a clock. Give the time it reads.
7:39
